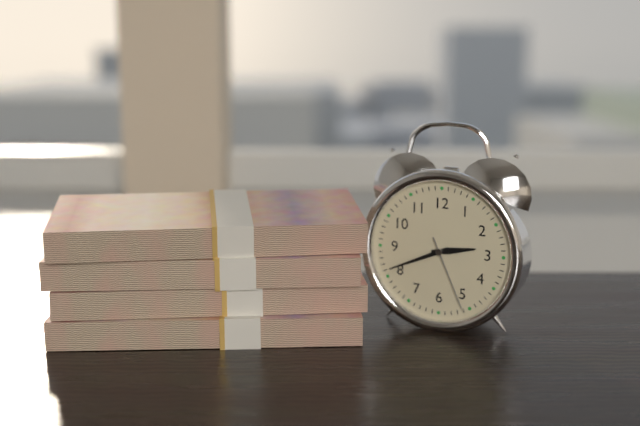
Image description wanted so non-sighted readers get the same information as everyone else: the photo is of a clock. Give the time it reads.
2:41:26
